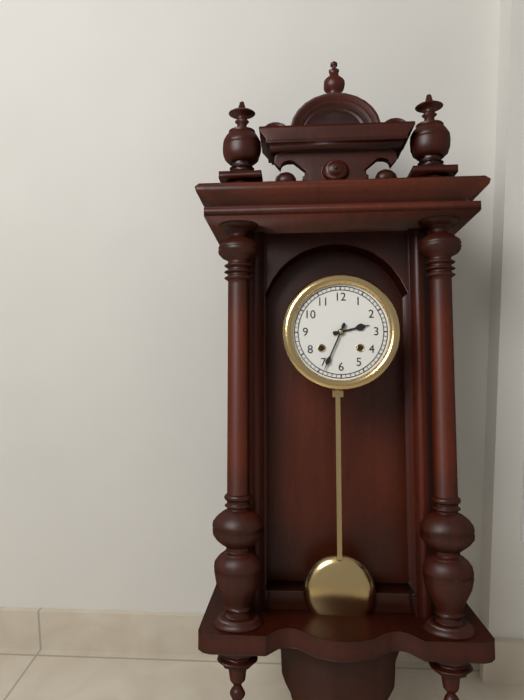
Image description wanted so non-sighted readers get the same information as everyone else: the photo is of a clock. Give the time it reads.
2:34
